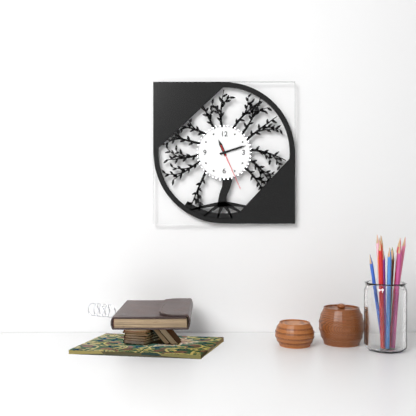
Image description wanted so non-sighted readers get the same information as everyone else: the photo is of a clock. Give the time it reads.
11:12
